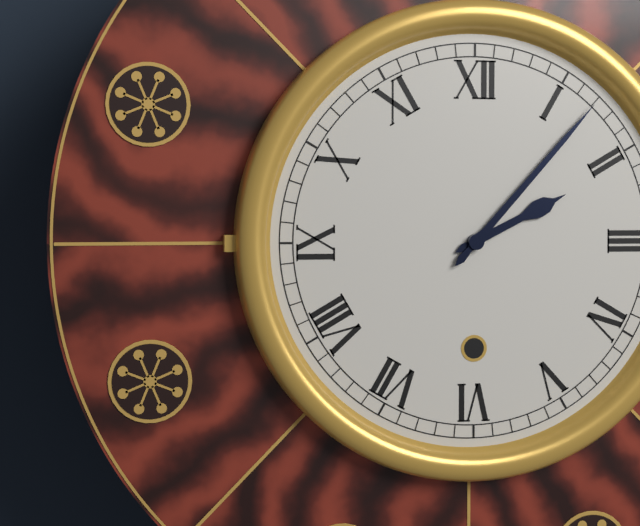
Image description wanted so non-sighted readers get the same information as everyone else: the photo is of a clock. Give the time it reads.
2:07
